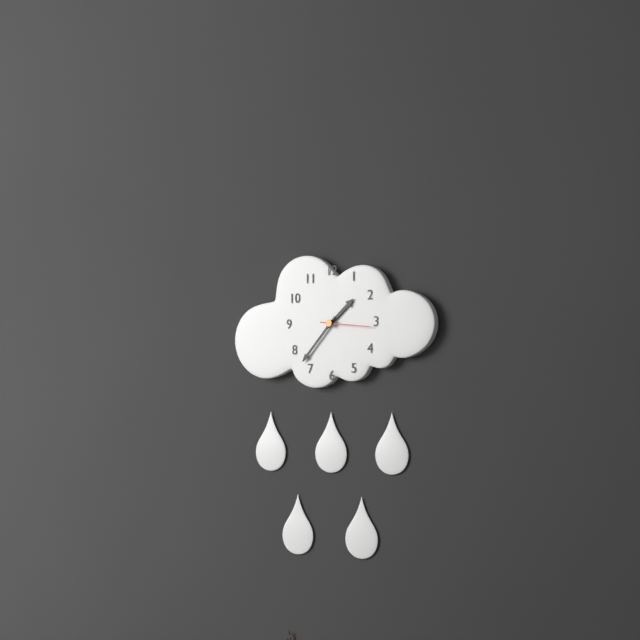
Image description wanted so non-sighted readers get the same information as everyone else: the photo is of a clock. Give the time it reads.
1:37:16
